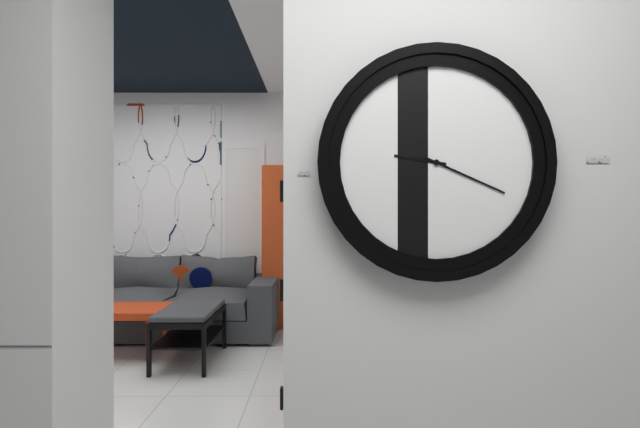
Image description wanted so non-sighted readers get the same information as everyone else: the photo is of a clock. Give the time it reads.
9:19
